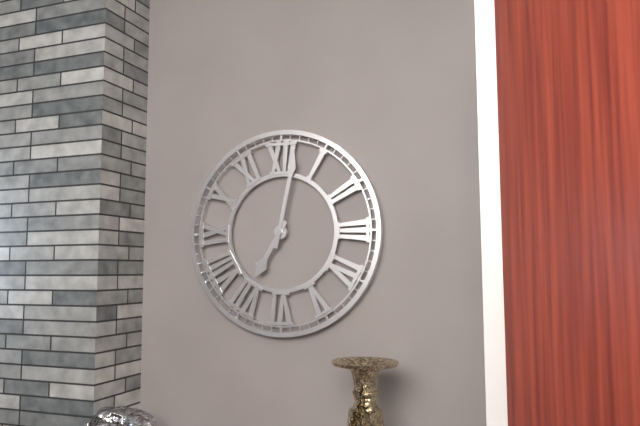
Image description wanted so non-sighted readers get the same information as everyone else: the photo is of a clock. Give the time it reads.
7:02
